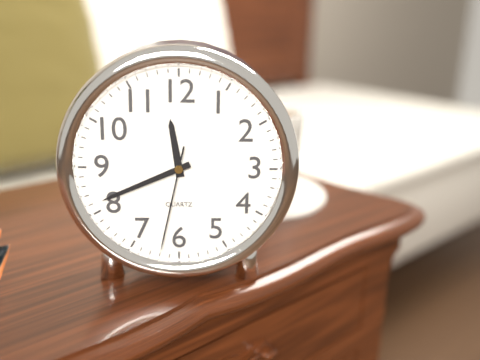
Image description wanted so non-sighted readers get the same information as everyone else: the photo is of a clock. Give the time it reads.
11:41:32
